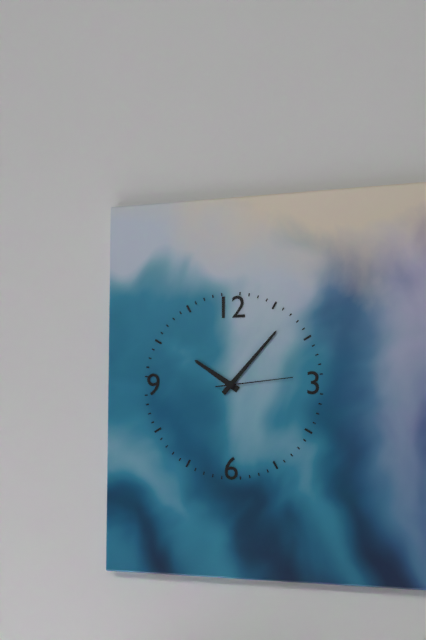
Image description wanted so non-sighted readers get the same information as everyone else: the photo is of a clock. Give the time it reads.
10:07:14
